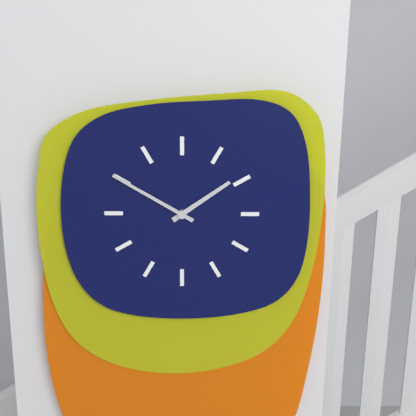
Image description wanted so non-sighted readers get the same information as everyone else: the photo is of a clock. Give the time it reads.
1:50
